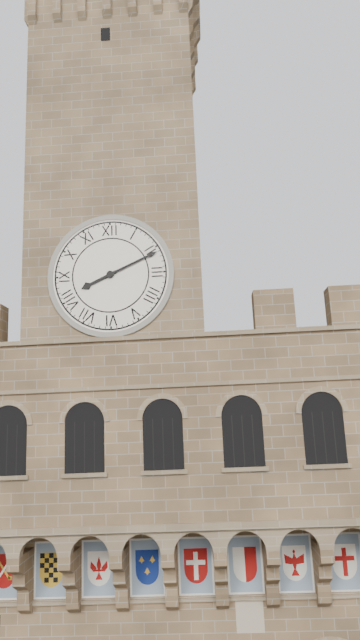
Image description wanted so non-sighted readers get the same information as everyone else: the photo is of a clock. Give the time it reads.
8:11
